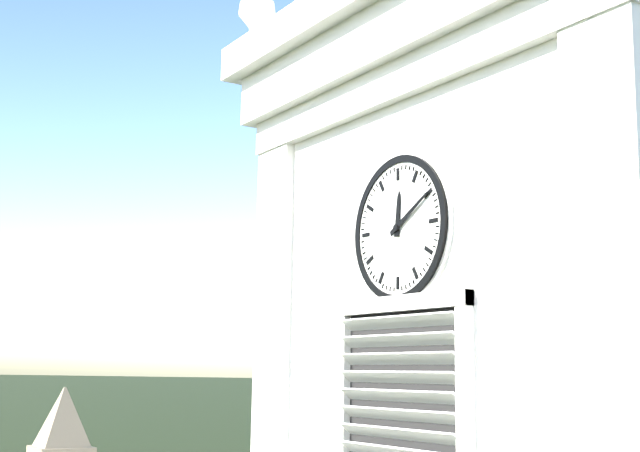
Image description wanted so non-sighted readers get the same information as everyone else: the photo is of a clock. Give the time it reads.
12:10
